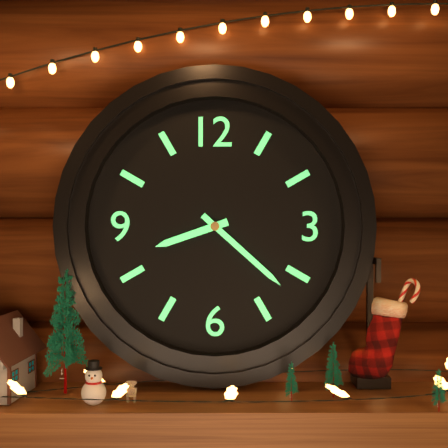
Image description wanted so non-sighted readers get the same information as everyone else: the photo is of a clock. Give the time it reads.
8:22
